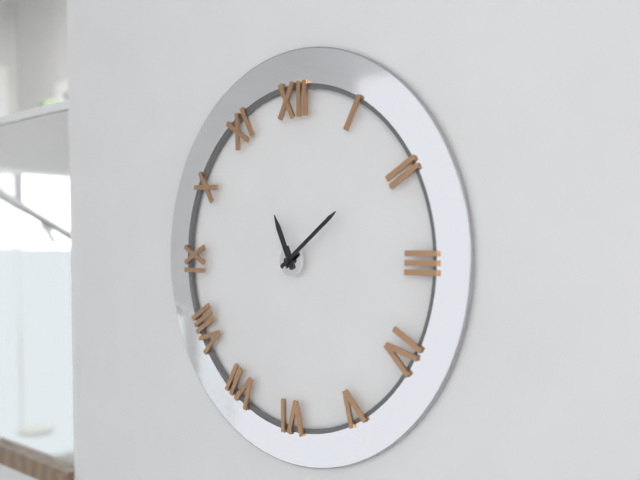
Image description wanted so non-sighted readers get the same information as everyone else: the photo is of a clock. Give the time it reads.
11:09
